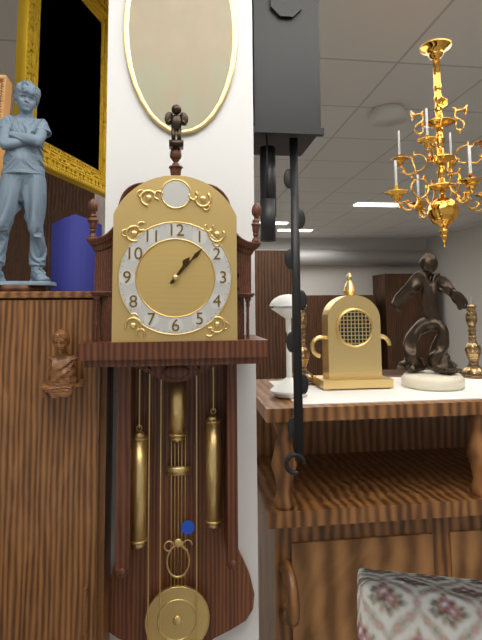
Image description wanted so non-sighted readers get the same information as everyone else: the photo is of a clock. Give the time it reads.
1:07
